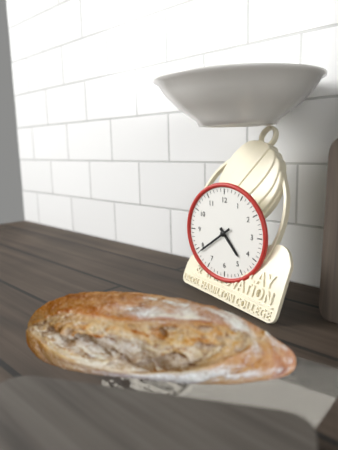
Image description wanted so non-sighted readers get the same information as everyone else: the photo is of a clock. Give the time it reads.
4:39
